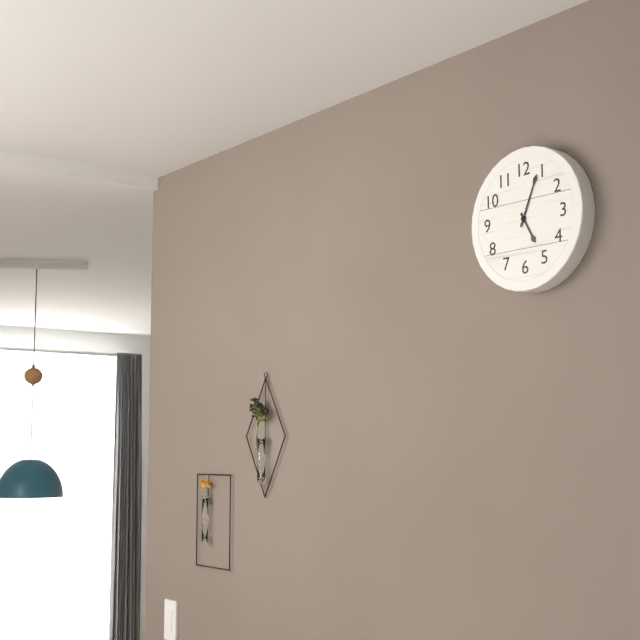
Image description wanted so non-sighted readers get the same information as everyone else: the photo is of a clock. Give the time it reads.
5:04
